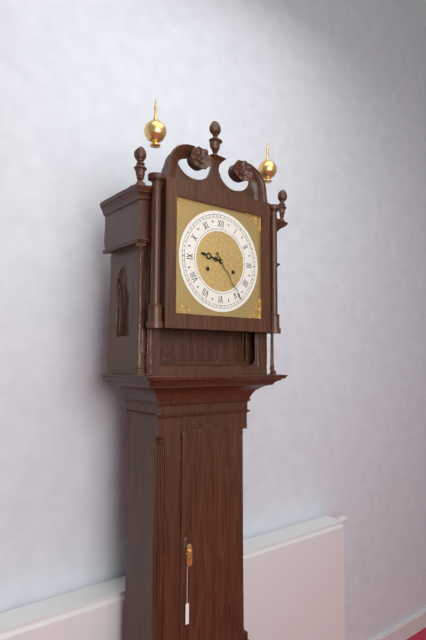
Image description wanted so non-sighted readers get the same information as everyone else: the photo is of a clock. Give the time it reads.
9:24
